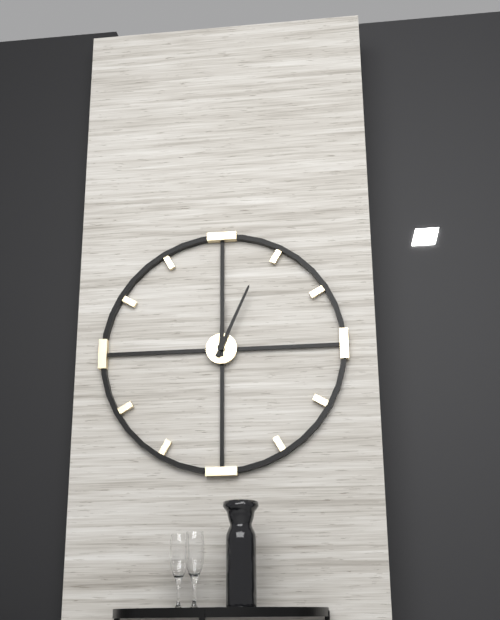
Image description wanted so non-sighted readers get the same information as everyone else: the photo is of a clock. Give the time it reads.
12:04
